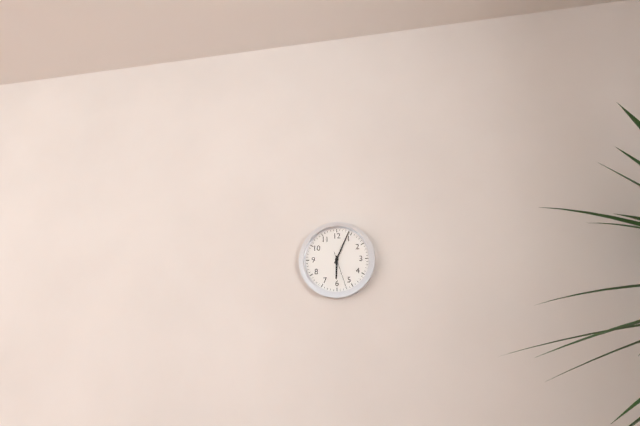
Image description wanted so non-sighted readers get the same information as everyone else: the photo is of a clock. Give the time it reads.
6:04
